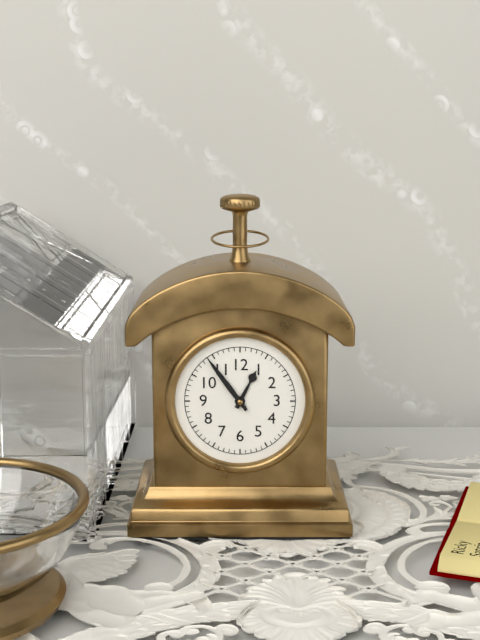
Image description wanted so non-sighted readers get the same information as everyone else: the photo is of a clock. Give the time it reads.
12:54
